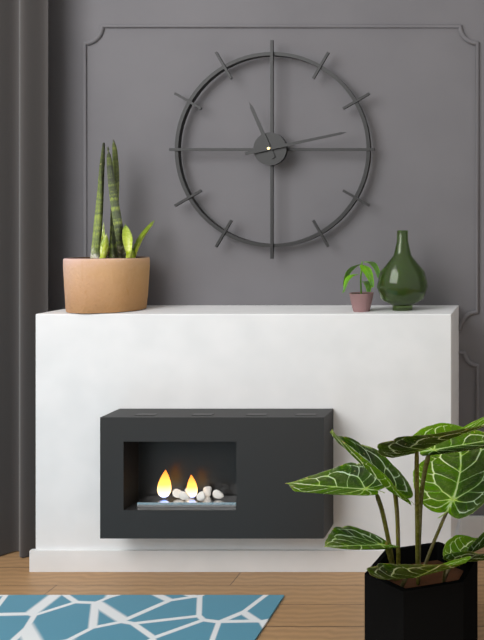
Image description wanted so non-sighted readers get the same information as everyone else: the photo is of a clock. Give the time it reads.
11:13
